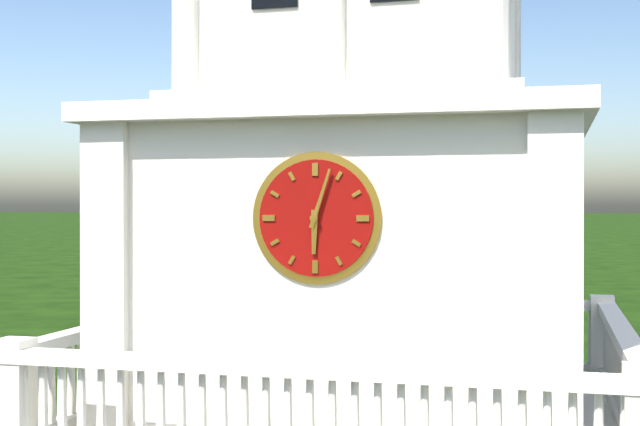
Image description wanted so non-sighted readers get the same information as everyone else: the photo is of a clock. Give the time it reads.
6:03
